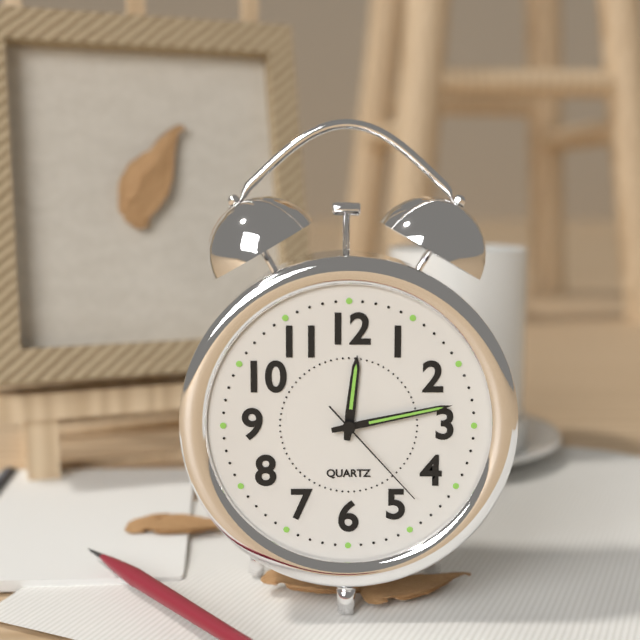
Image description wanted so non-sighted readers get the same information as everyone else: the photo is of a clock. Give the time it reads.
12:13:23
